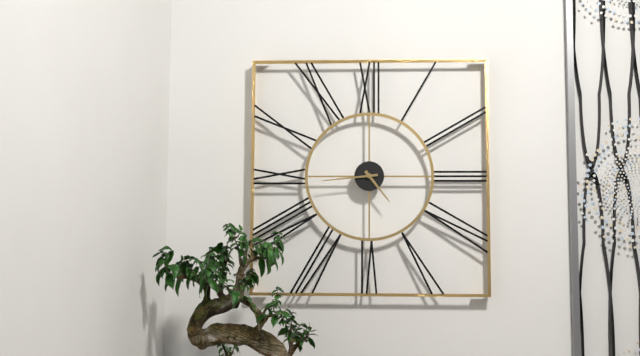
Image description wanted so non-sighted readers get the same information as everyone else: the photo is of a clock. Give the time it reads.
4:44
